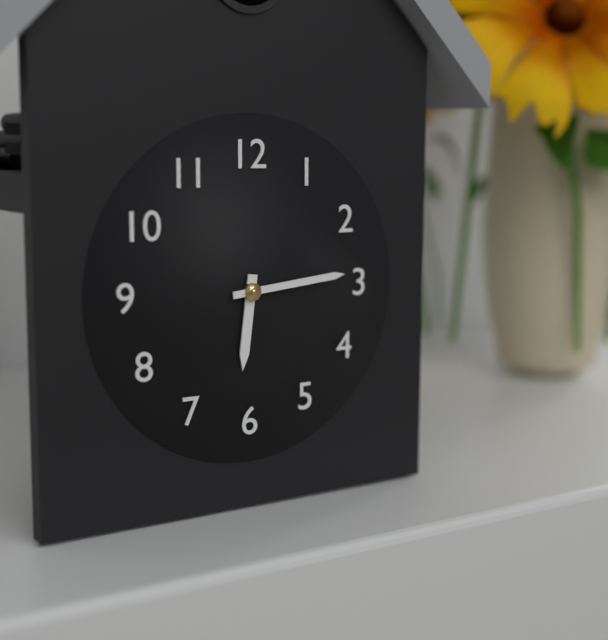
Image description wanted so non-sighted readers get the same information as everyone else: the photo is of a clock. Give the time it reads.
6:14
